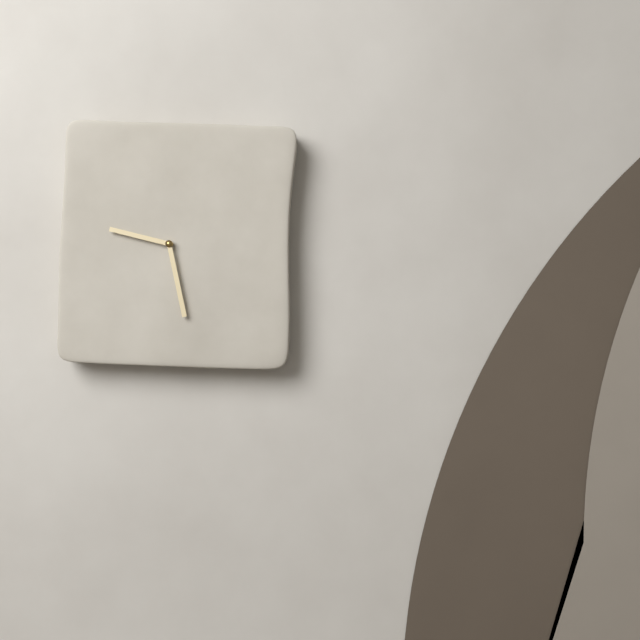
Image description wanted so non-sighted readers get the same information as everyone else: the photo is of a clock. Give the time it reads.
9:28
